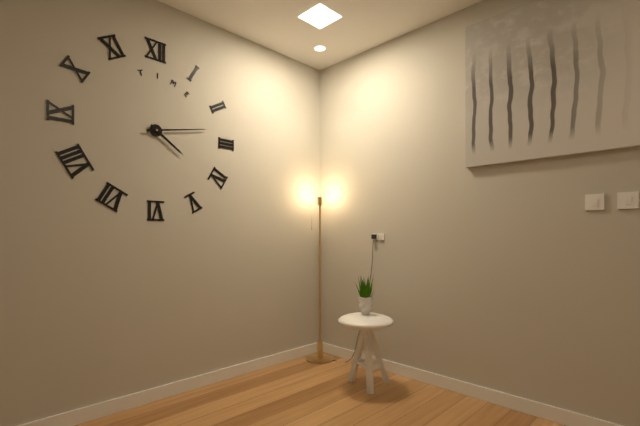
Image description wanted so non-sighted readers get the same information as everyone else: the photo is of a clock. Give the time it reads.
4:13
